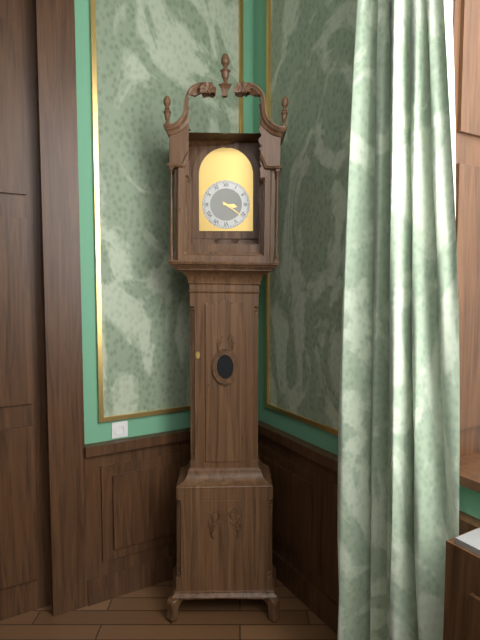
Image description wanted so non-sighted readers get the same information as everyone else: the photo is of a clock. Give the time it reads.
3:21
